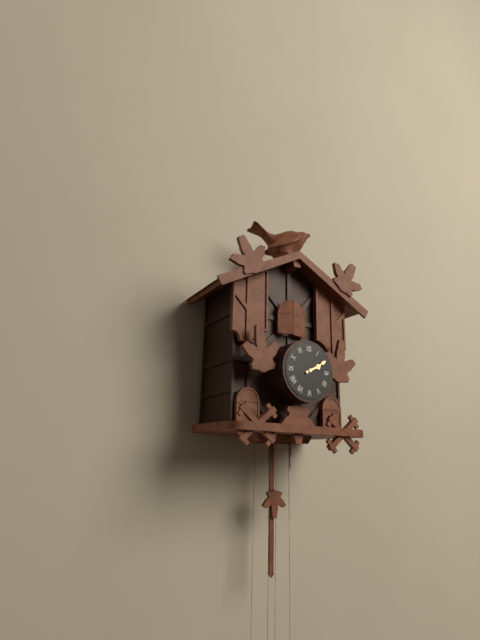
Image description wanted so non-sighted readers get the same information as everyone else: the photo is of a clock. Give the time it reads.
2:10
